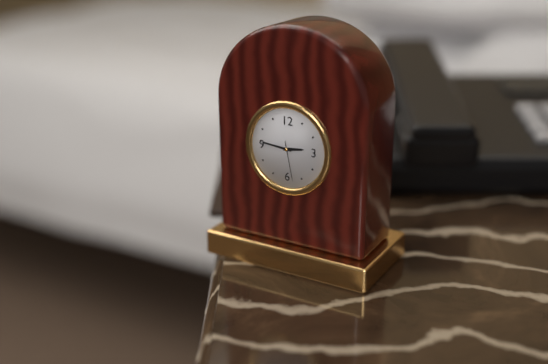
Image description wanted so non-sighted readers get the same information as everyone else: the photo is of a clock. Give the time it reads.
2:46
